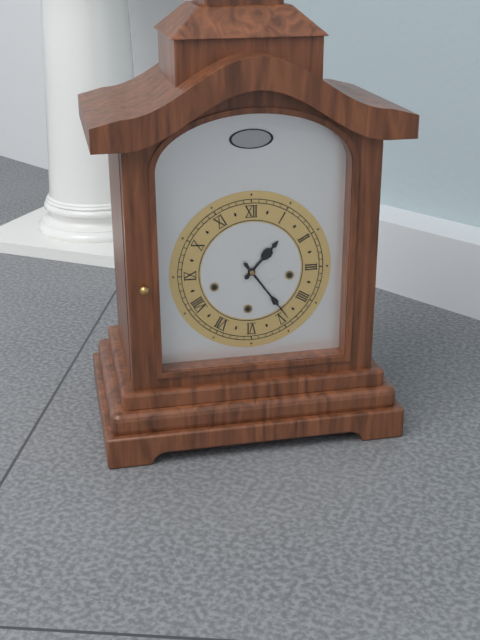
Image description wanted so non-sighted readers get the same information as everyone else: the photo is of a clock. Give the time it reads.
1:24
